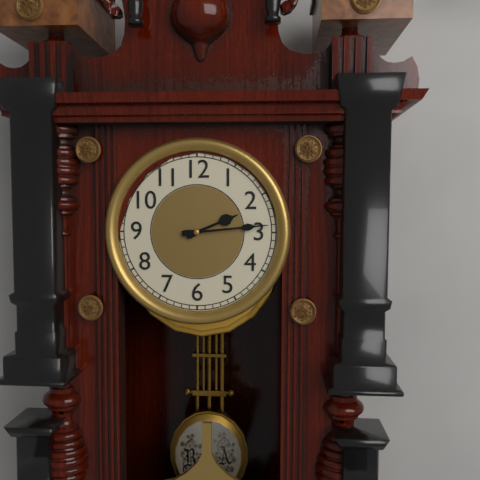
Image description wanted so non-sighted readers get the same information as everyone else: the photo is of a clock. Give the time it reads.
2:14
